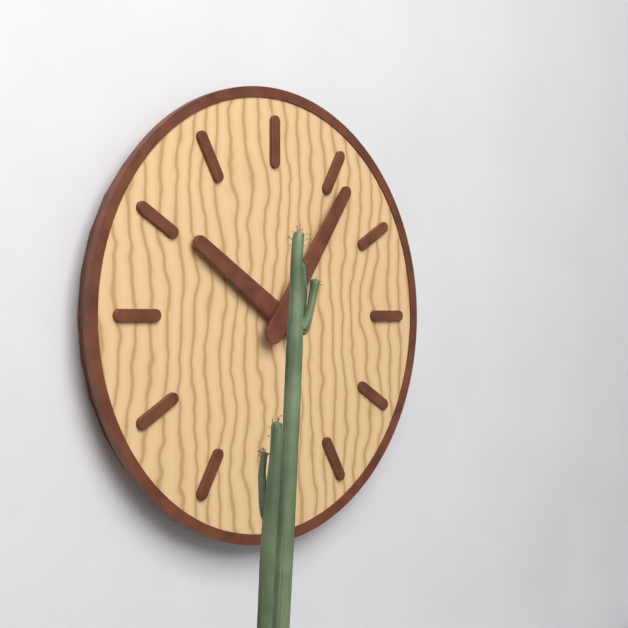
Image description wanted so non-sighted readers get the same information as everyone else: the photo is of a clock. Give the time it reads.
10:06
